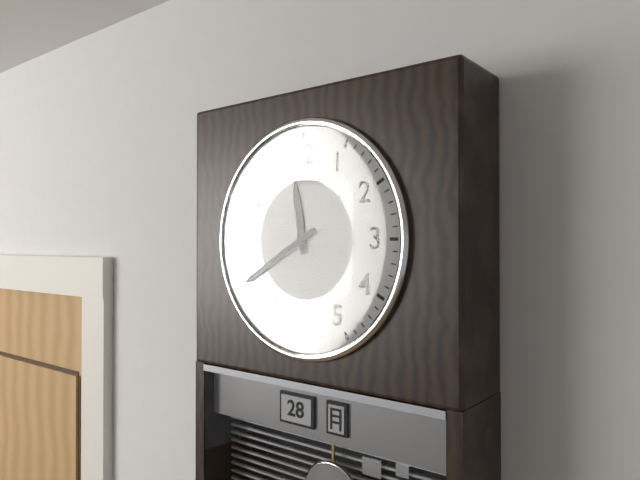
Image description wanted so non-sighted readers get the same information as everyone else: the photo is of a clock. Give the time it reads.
11:40
